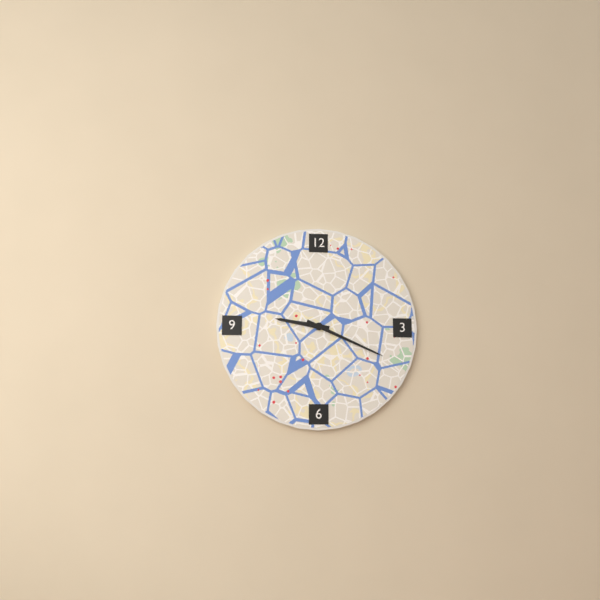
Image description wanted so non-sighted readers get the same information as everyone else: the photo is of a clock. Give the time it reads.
9:19
